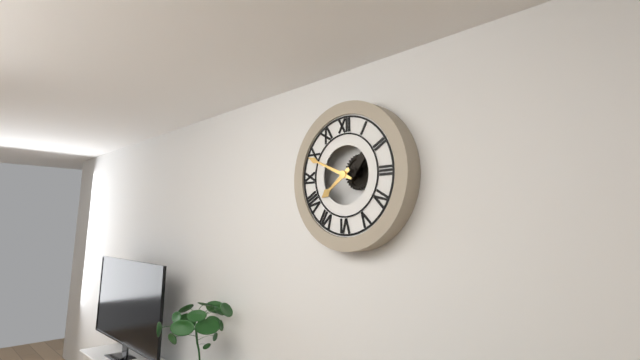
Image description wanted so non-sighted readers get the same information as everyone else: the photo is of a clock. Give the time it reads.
7:49
